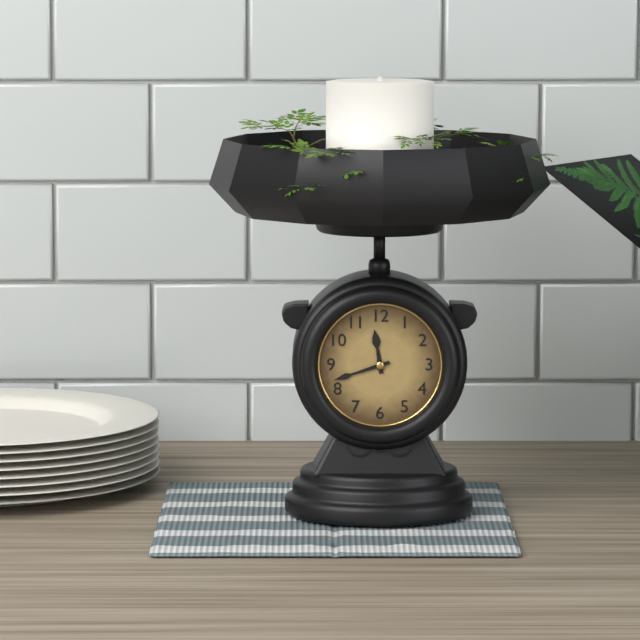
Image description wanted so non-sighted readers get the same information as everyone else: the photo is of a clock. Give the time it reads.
11:42
